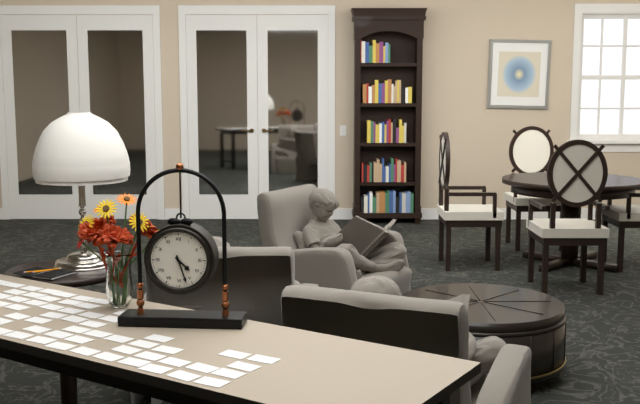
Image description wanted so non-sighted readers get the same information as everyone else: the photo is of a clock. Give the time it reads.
4:27
